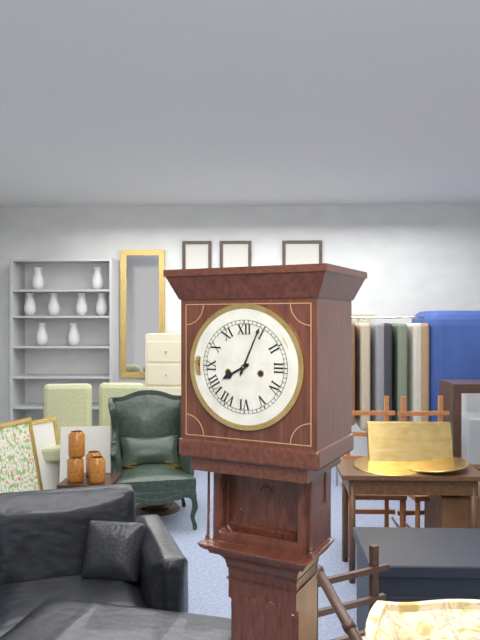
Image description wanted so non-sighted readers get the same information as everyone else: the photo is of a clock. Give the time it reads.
8:04
